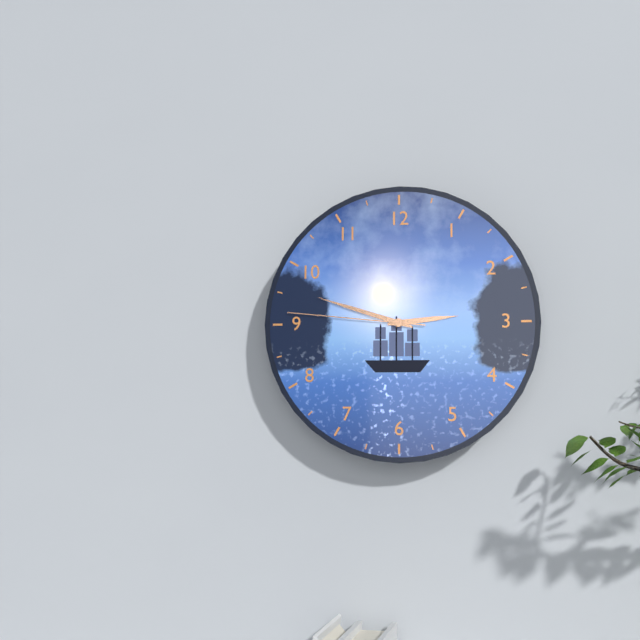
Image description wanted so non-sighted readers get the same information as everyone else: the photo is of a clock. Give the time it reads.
2:48:46
